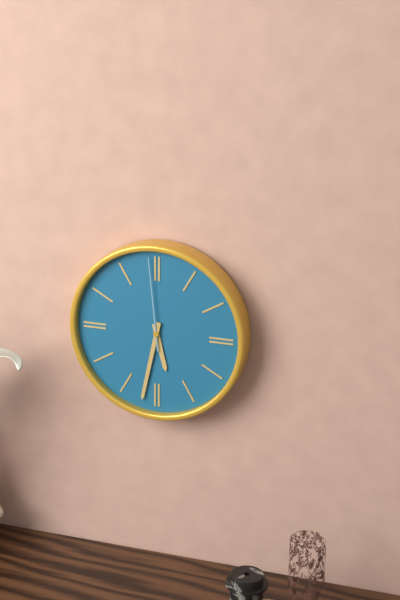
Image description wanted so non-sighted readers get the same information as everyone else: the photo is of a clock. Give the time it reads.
5:32:59
